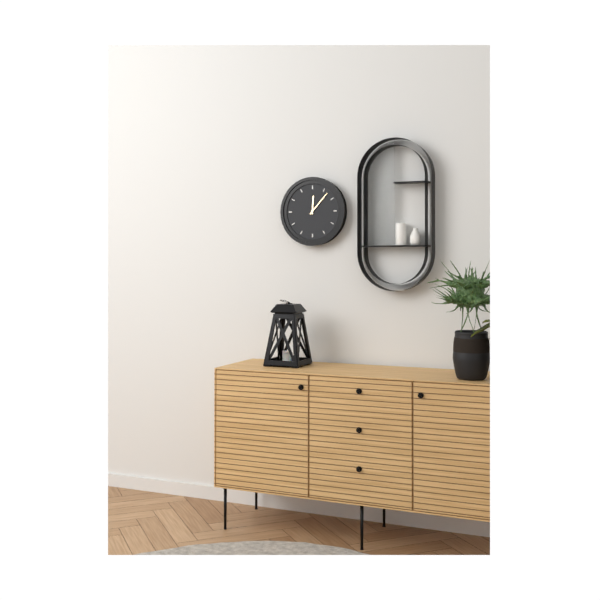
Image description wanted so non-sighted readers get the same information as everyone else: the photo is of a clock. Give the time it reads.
12:07
